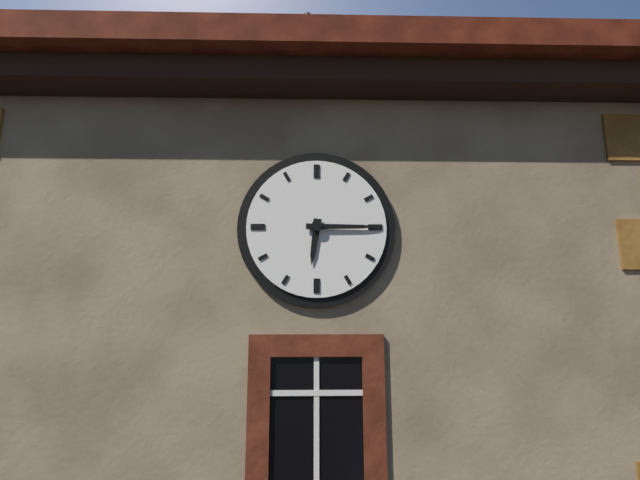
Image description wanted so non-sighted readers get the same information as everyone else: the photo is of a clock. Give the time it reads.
6:15
